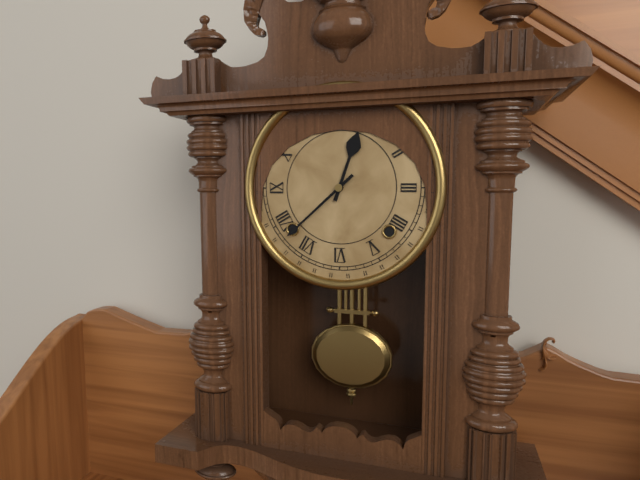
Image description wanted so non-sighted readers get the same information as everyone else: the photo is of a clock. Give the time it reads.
12:38
